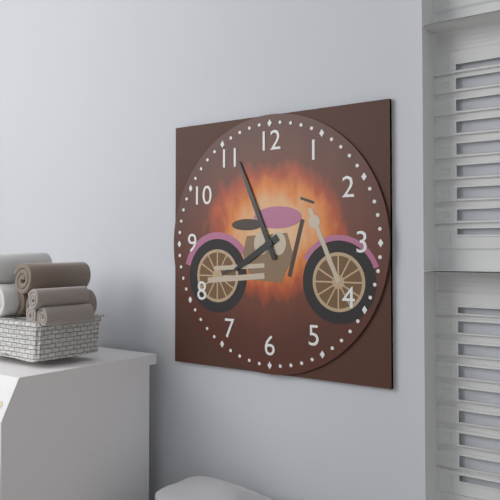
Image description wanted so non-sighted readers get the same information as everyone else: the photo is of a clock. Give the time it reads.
7:56
